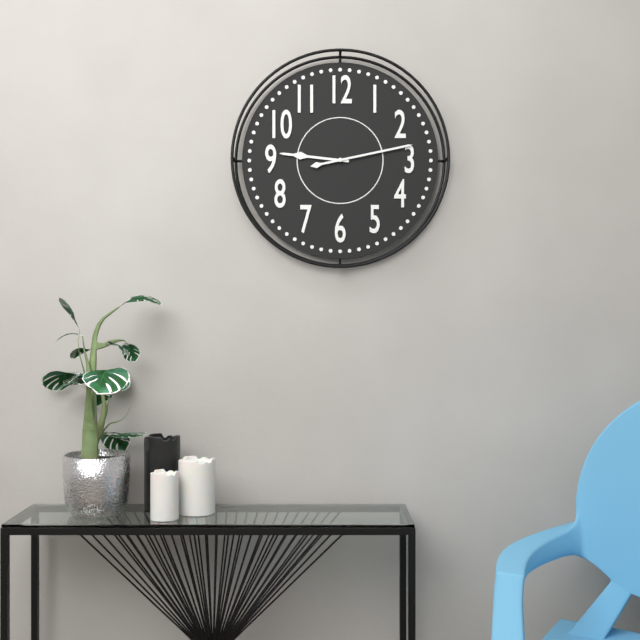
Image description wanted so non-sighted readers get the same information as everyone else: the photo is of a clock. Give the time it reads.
9:13
